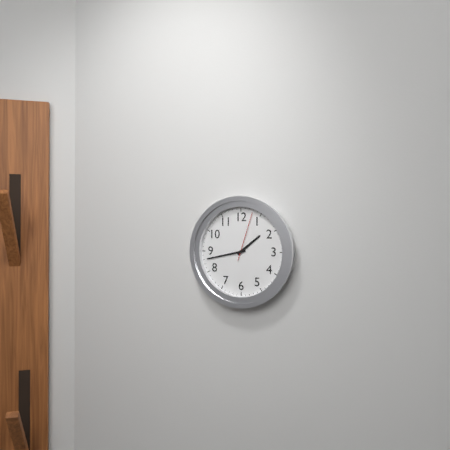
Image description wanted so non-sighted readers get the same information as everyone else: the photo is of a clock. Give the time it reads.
1:43:03
